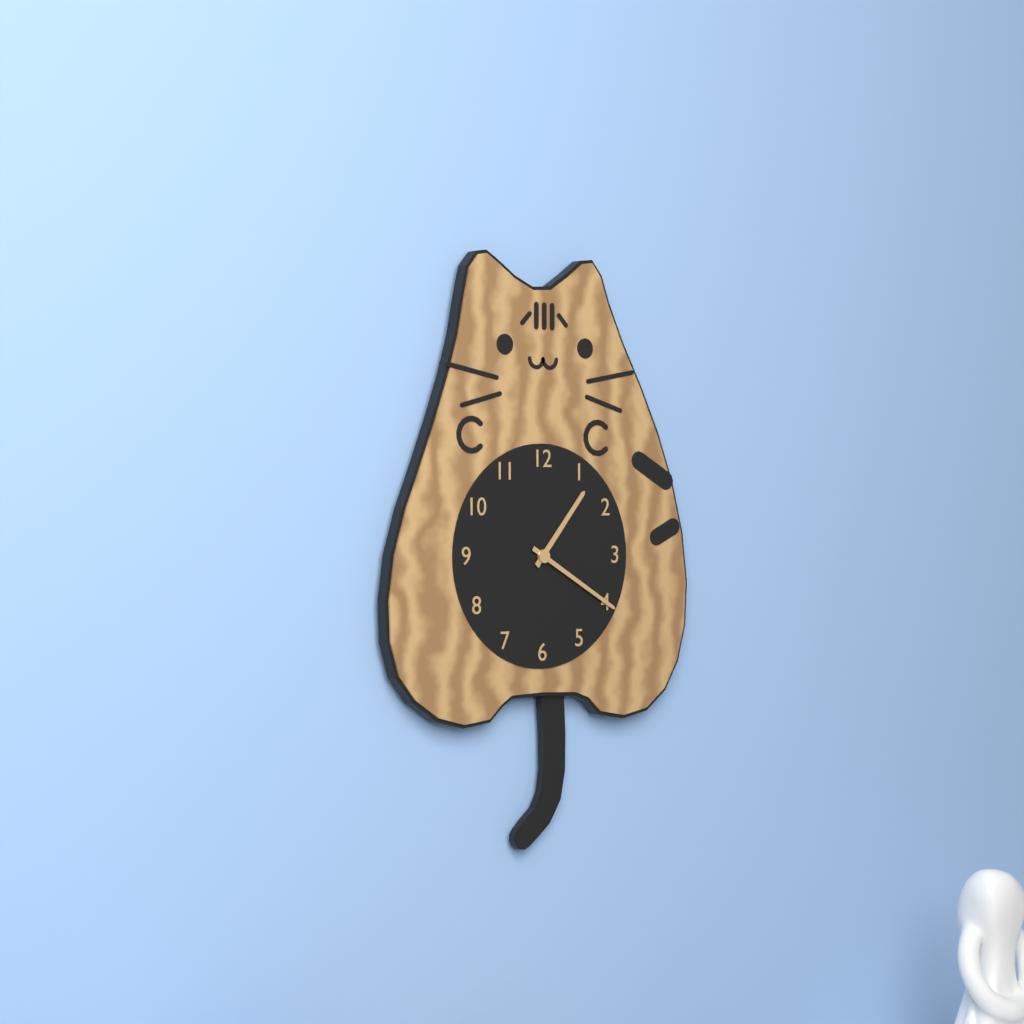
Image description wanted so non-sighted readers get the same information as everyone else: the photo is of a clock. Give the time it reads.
1:20
